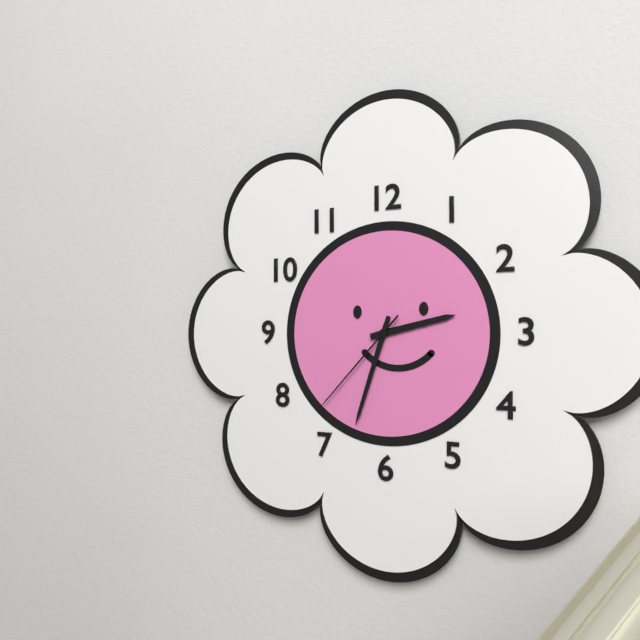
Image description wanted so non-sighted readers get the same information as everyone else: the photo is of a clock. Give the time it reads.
2:33:37
